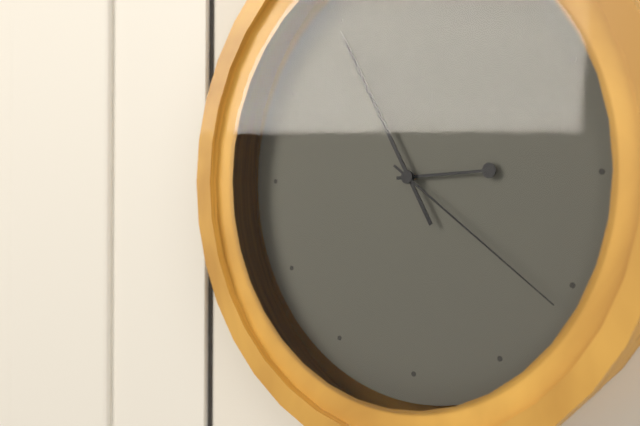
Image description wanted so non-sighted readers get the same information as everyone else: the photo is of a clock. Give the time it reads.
2:55:21
